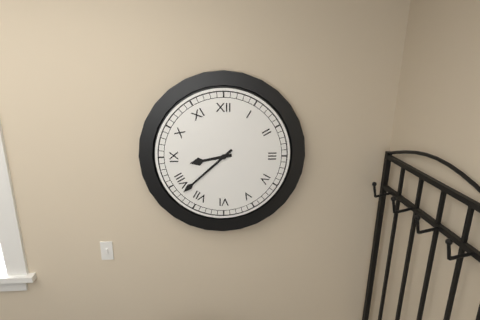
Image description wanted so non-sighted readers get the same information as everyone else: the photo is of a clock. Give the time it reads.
8:38
